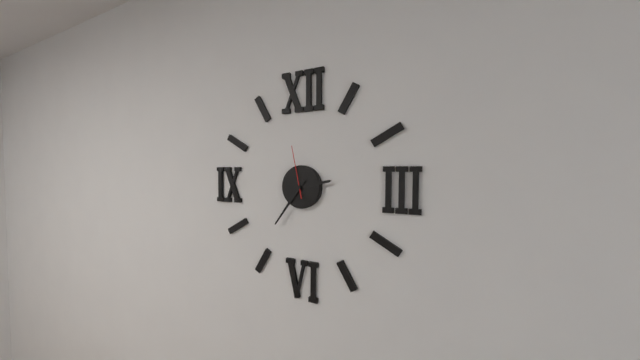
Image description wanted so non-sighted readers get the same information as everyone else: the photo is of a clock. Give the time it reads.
2:36:58
